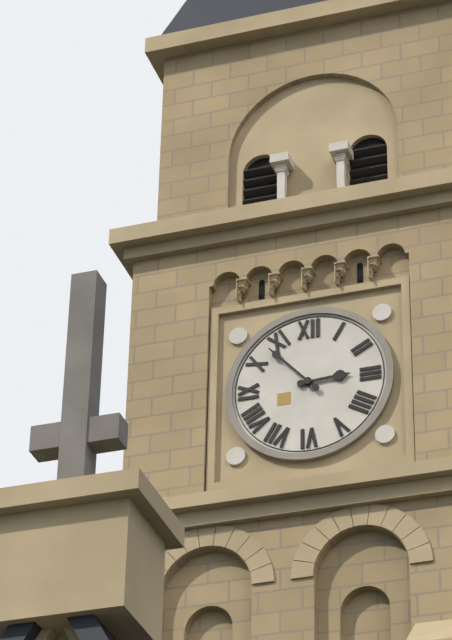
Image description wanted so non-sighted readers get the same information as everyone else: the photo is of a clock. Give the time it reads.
2:53
